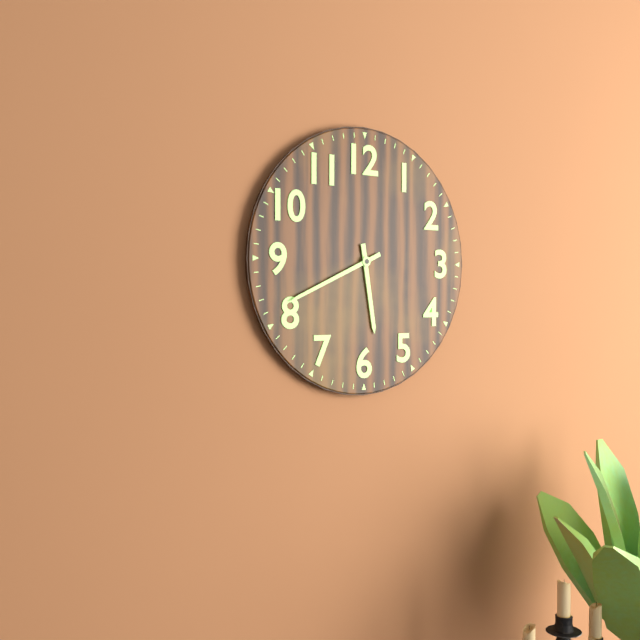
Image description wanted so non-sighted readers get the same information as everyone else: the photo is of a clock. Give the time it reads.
5:41
